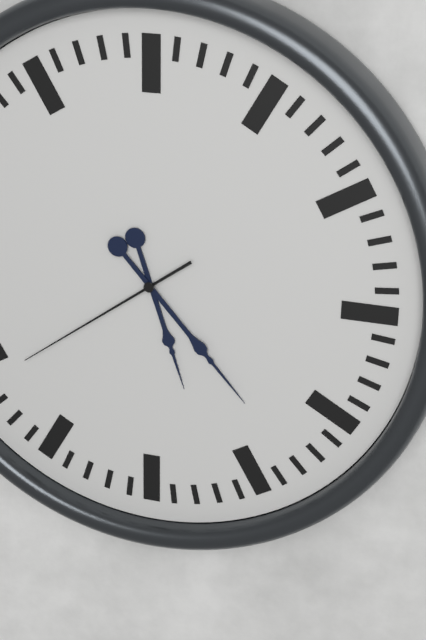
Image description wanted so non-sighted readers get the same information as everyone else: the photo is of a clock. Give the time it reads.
5:23:39
